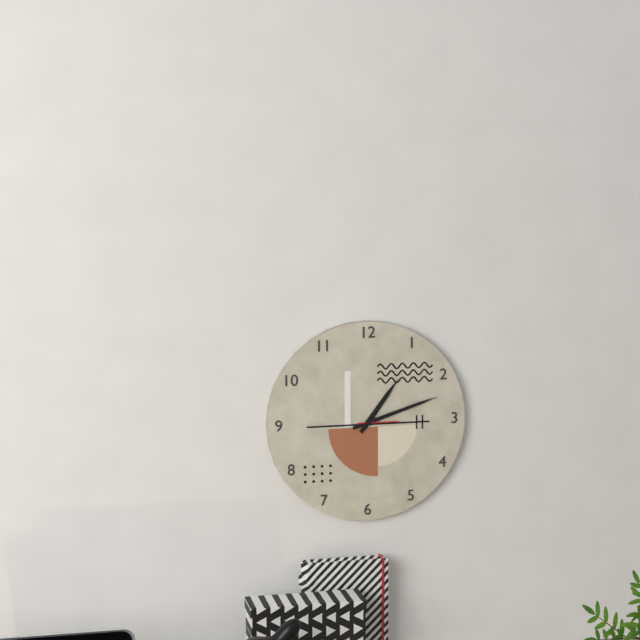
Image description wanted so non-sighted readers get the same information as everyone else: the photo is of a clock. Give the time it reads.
1:12
